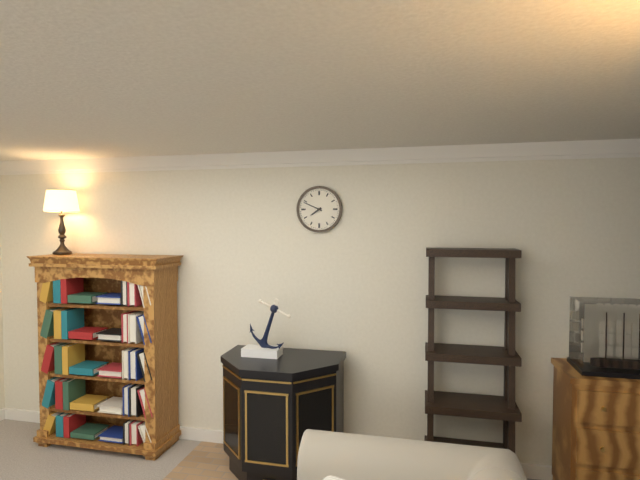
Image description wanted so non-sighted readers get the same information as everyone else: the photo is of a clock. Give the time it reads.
7:49
